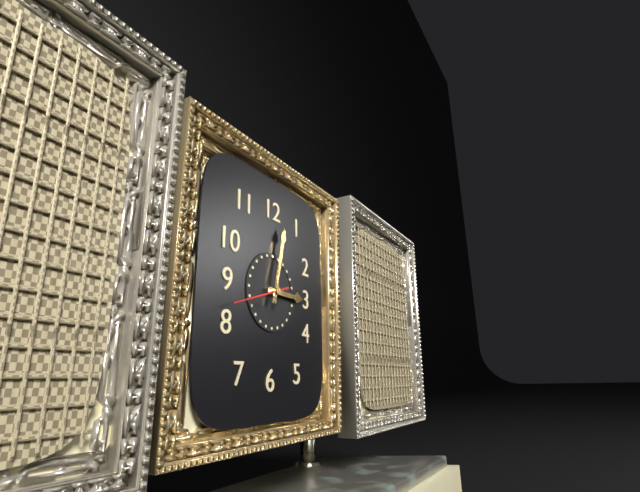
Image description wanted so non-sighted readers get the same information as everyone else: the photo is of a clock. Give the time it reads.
3:02:42
